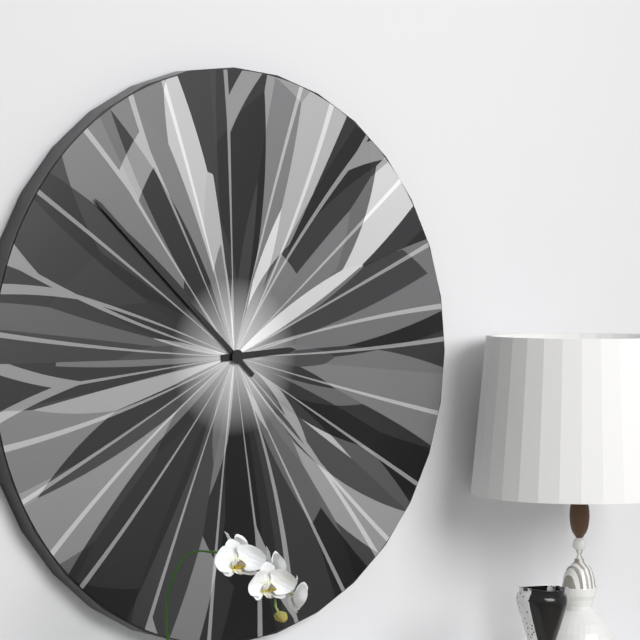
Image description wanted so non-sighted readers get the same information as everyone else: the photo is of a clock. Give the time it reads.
2:52
